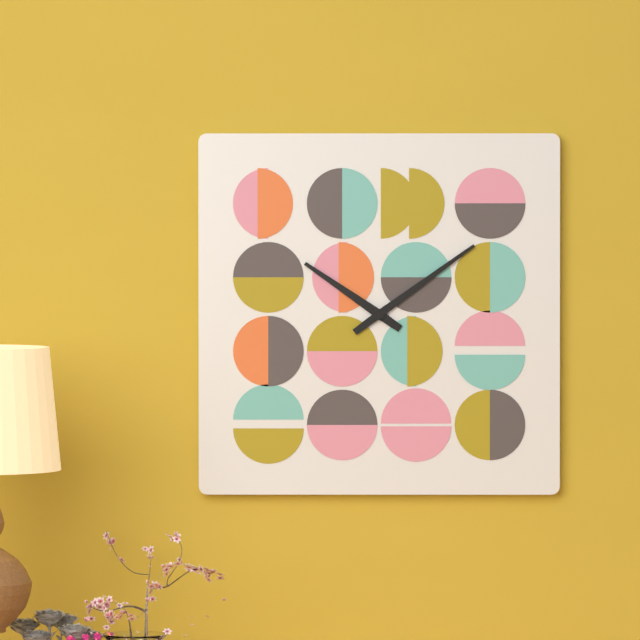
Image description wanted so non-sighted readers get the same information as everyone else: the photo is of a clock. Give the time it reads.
10:09
